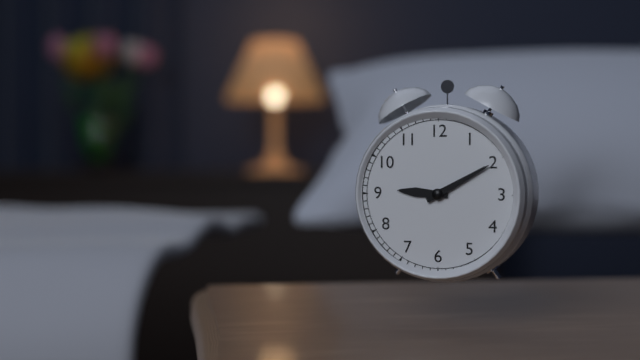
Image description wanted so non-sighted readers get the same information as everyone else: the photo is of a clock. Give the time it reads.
9:10
